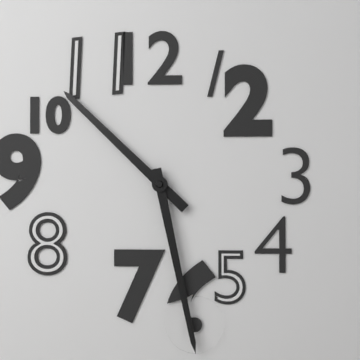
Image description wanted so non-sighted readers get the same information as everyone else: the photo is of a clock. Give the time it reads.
10:28
